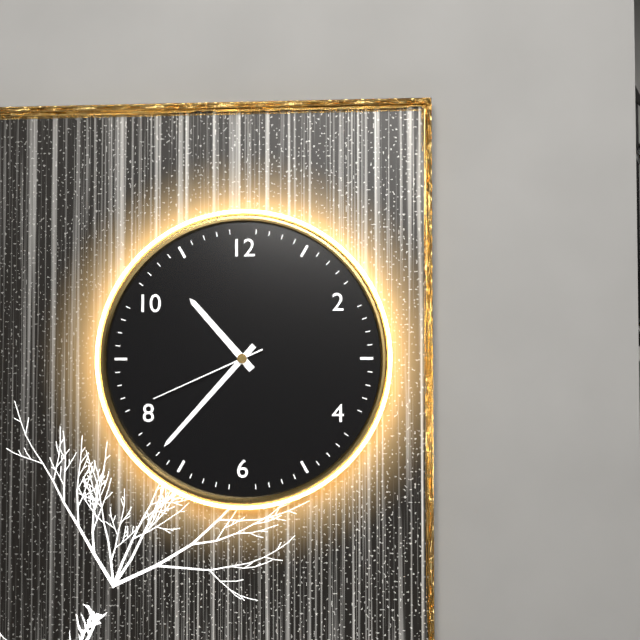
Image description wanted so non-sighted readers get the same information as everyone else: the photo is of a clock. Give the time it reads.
10:37:41
